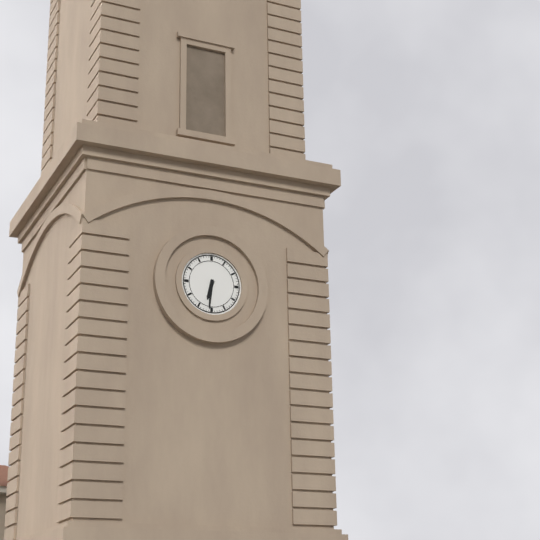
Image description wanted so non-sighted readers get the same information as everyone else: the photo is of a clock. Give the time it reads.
6:31
